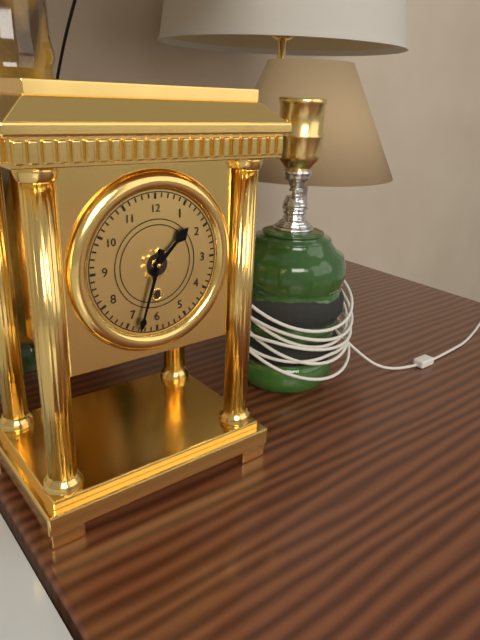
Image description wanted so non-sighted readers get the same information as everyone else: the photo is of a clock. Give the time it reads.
1:33
